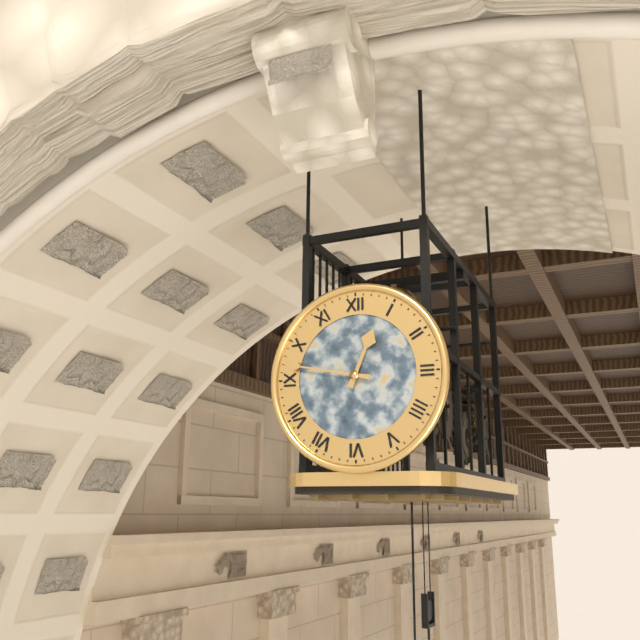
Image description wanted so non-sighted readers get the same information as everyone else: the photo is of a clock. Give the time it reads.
12:47
